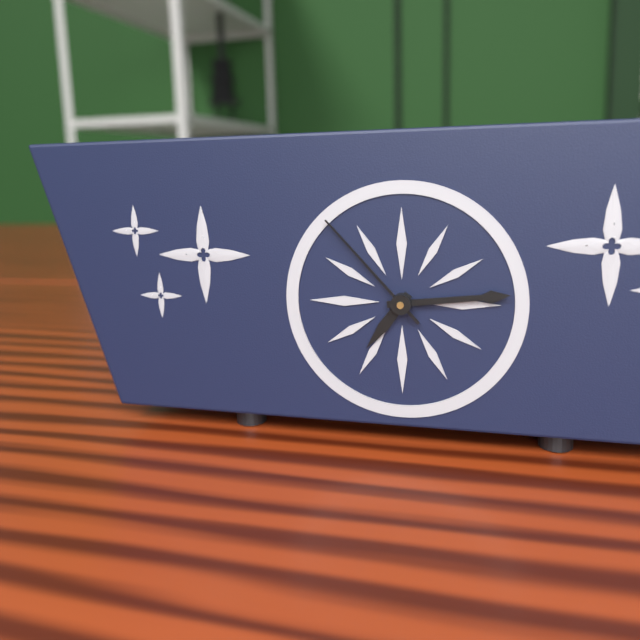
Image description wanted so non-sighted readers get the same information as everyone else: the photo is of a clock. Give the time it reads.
7:14:53
